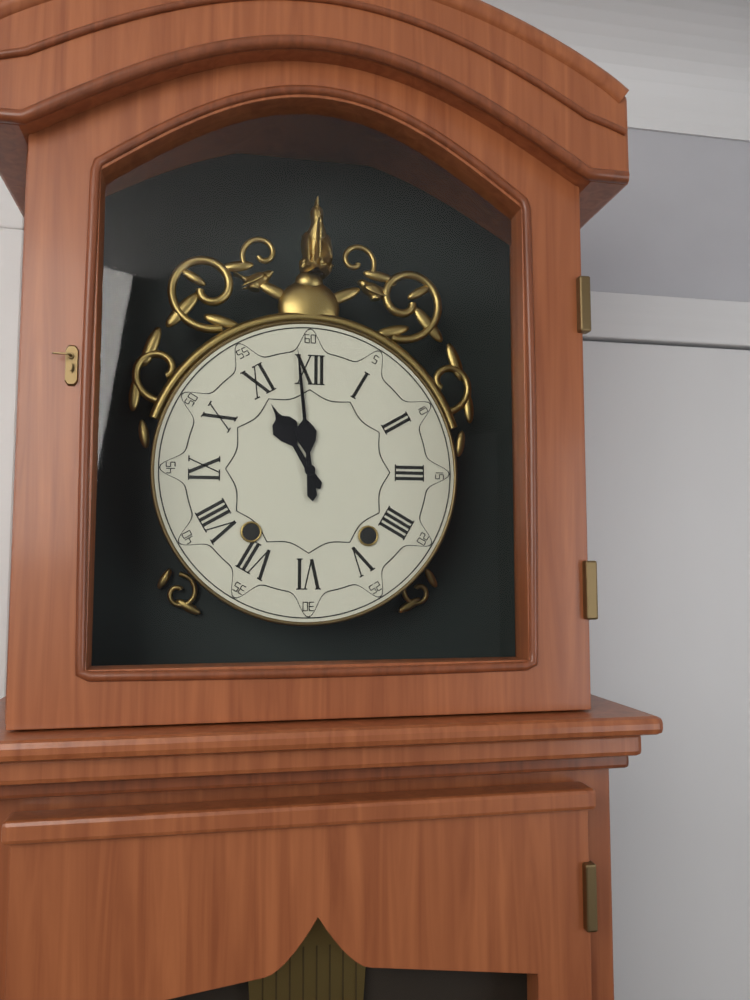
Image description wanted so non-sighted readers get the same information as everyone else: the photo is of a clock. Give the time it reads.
10:59
